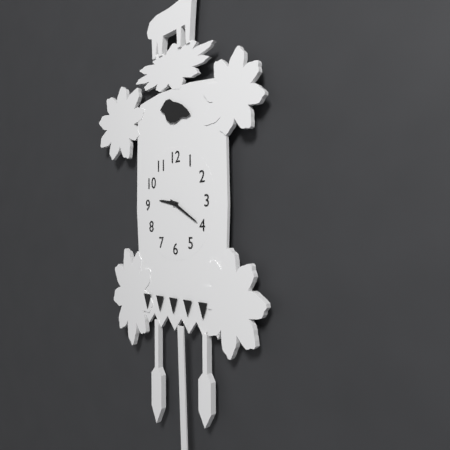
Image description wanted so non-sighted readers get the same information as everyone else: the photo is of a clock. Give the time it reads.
9:20
